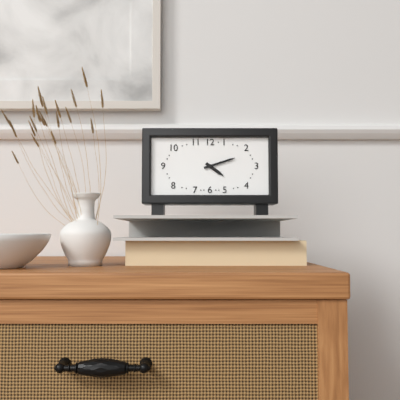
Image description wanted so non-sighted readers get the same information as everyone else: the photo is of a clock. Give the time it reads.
4:12
